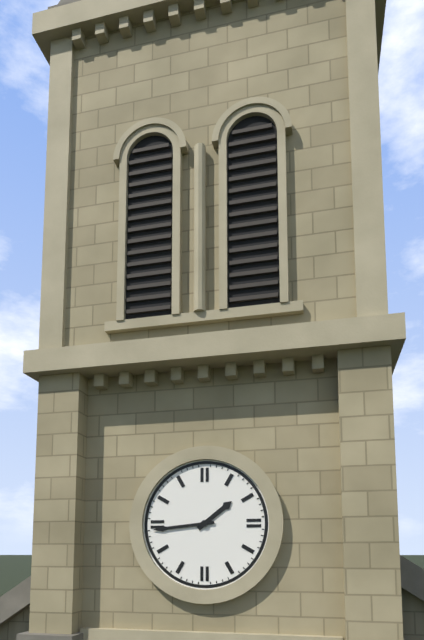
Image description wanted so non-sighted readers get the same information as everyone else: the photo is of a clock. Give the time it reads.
1:44
